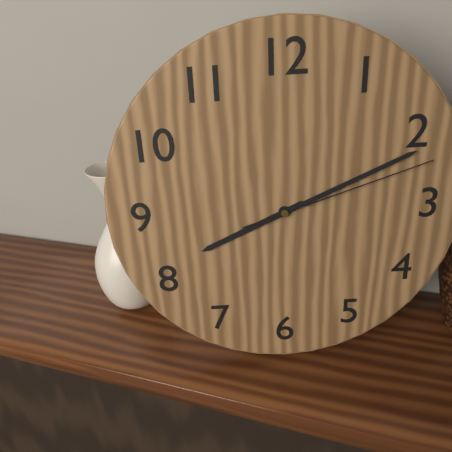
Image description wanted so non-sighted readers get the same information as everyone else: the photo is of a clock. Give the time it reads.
8:11:12
